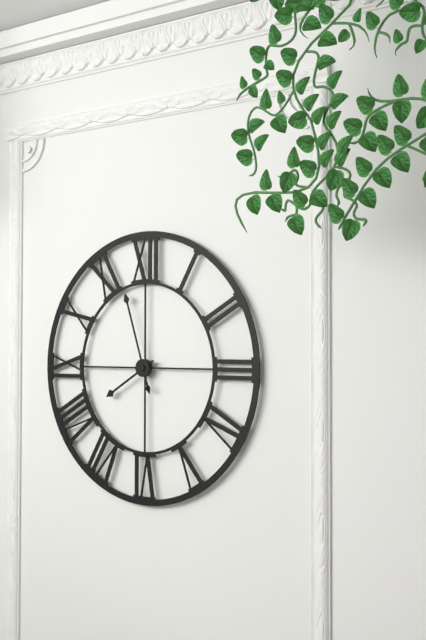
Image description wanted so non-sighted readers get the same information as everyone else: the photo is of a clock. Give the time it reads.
7:57
